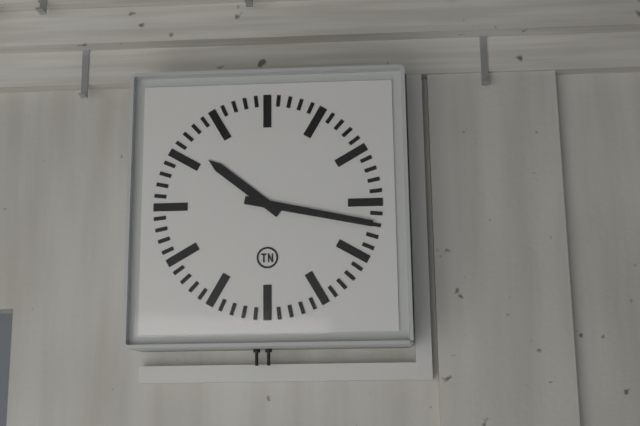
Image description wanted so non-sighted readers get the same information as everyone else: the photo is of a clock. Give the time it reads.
10:17
